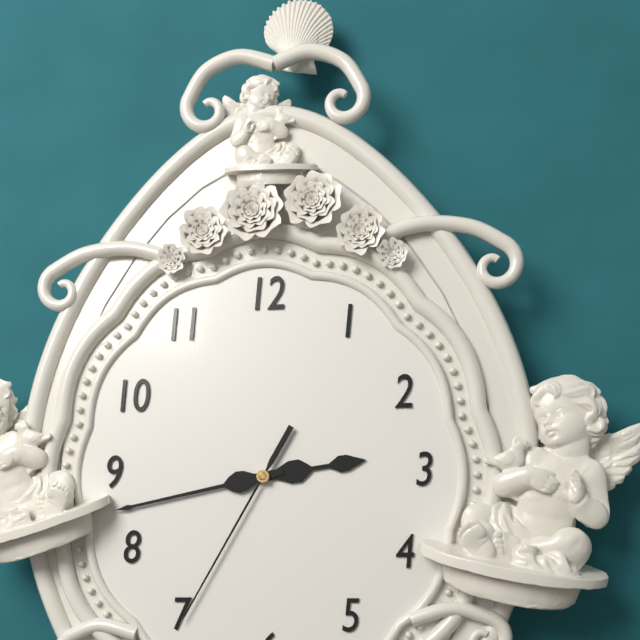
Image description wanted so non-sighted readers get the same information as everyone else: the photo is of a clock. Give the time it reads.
2:43:35
